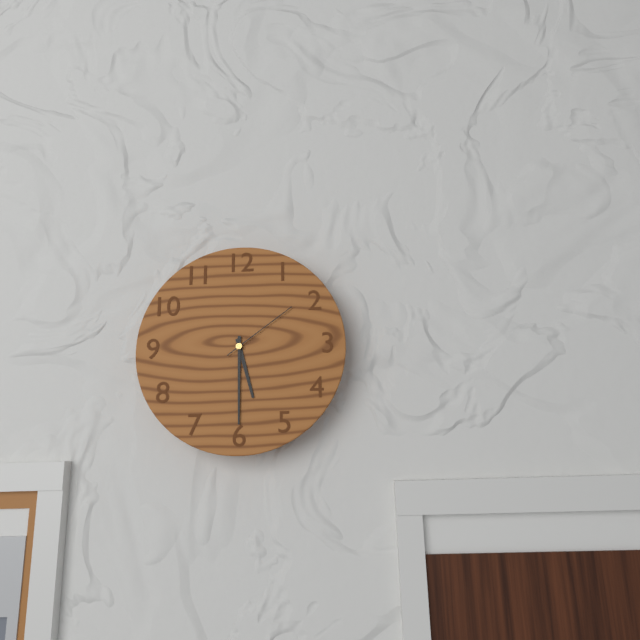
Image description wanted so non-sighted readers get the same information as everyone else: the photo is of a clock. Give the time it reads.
5:30:09
